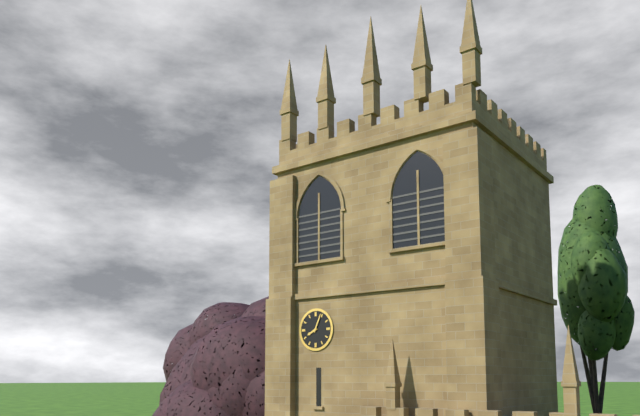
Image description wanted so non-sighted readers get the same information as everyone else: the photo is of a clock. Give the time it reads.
8:04
